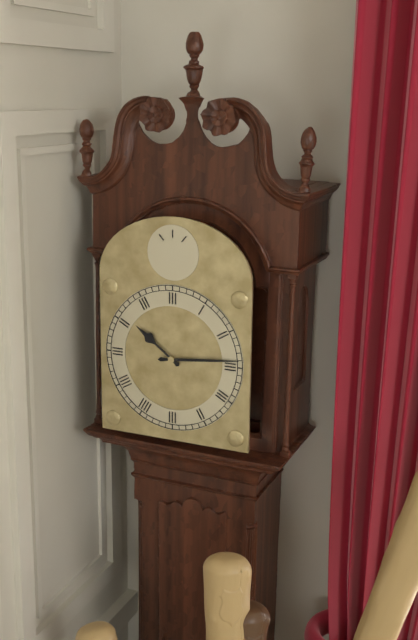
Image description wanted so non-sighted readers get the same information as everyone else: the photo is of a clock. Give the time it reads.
10:14
